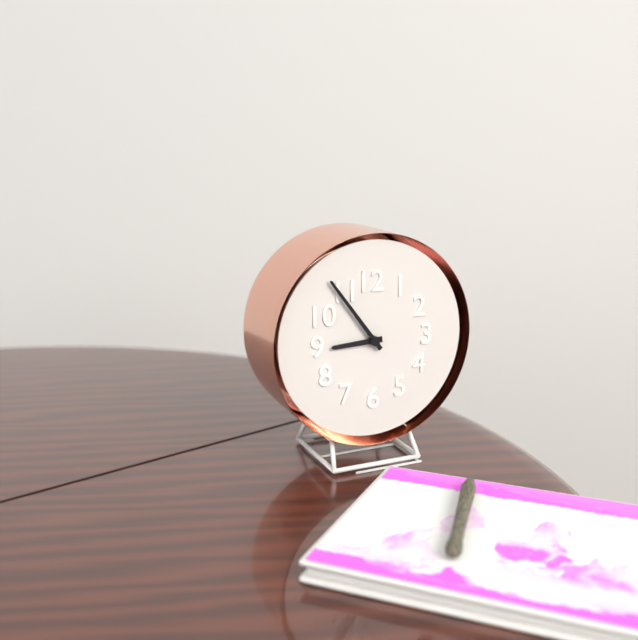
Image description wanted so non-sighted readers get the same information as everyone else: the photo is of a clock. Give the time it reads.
8:54
